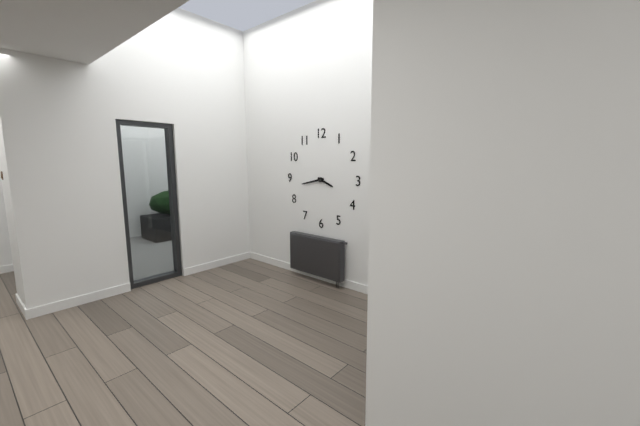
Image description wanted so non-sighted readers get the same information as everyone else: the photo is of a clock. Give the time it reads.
3:43
